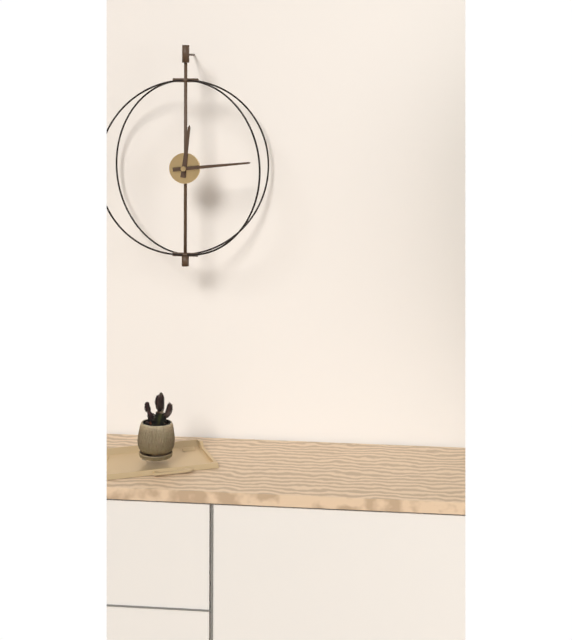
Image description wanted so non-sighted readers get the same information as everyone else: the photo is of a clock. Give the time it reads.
12:14
